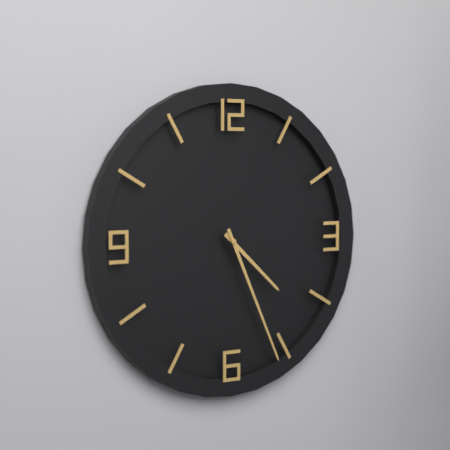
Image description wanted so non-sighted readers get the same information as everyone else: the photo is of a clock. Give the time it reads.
4:26
